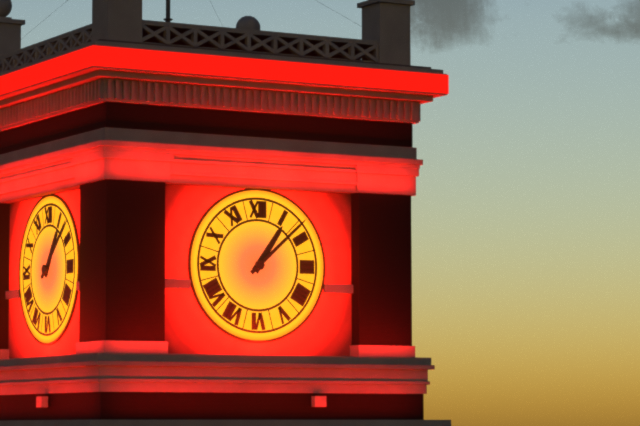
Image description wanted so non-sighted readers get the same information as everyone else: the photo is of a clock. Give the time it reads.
1:08
